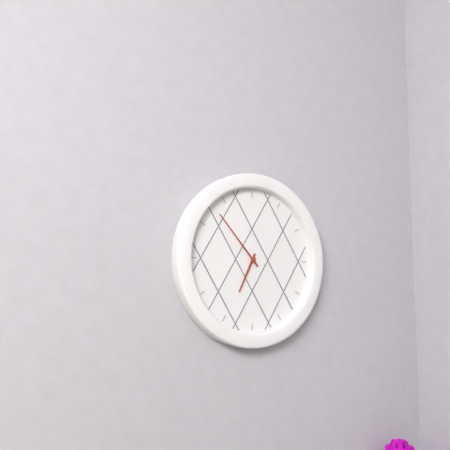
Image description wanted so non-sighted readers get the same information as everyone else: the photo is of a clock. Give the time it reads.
6:53
